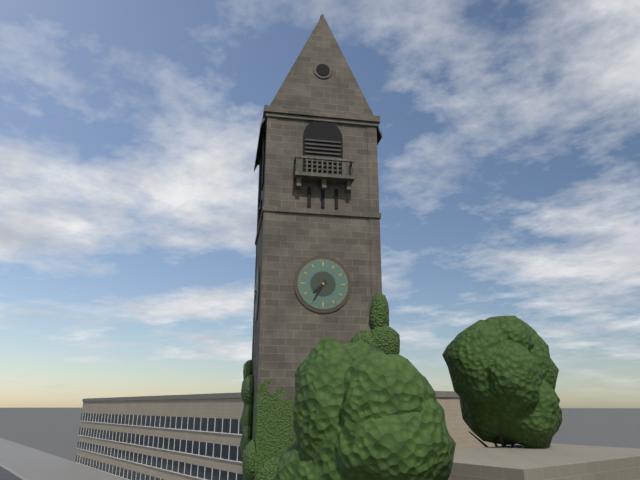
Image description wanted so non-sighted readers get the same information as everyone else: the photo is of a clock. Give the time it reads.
7:35
